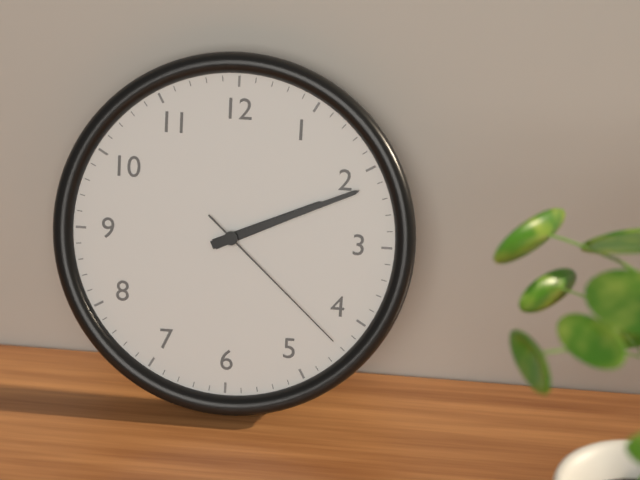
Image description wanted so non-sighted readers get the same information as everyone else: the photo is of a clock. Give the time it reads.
2:11:22
